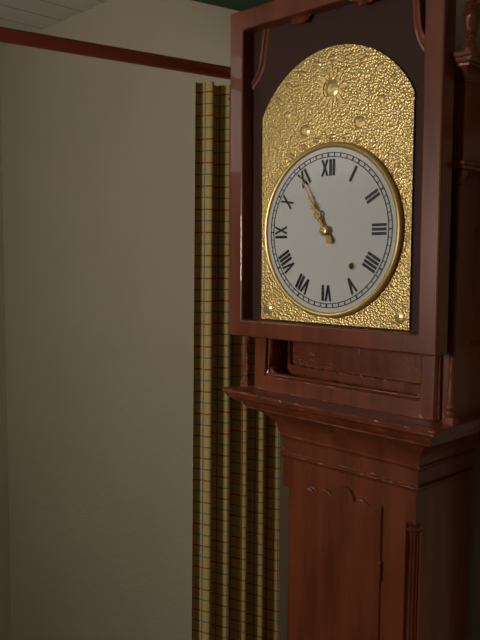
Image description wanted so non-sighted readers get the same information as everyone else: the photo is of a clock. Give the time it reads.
10:55
